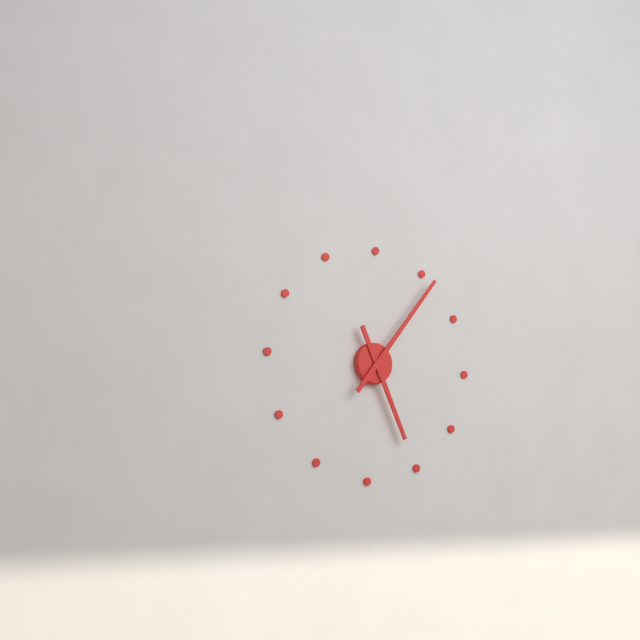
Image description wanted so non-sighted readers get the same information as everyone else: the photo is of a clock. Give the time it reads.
5:06
